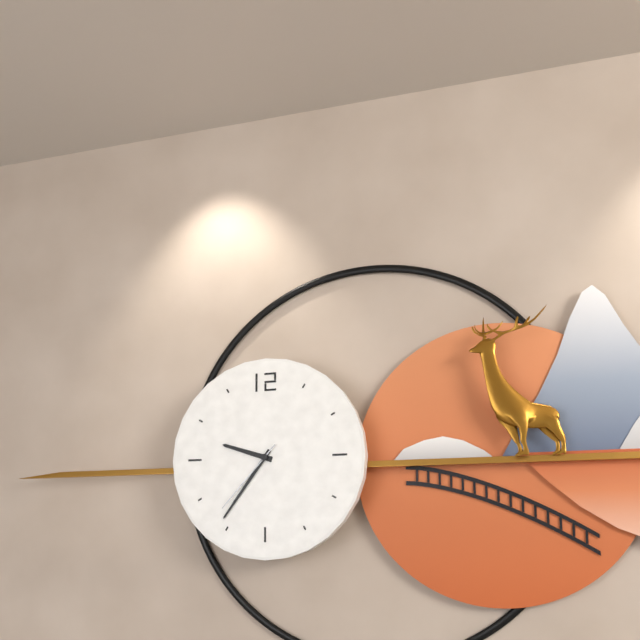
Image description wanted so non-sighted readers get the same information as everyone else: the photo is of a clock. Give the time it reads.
9:36:37
